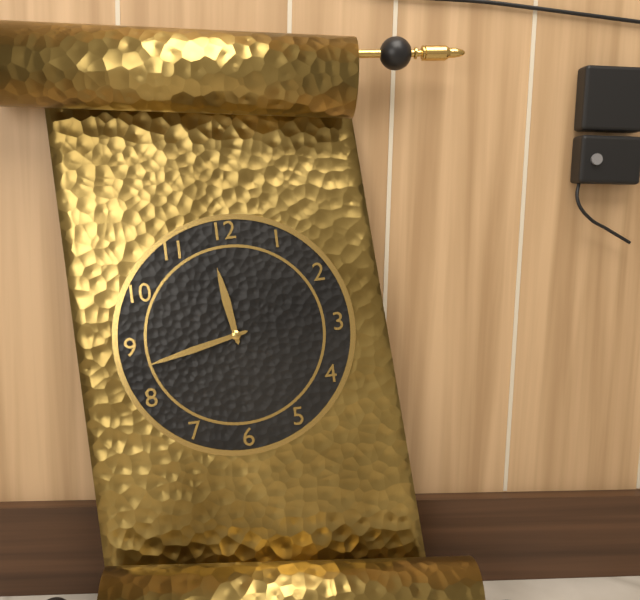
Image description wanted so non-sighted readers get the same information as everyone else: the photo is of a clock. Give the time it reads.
11:43
